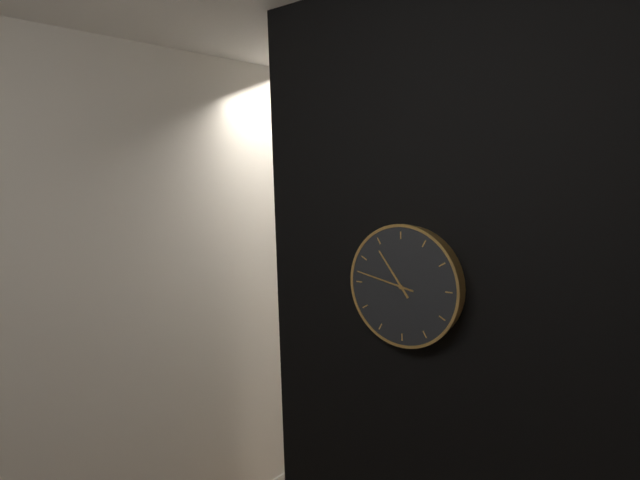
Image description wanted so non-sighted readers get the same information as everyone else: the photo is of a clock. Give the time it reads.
10:47
